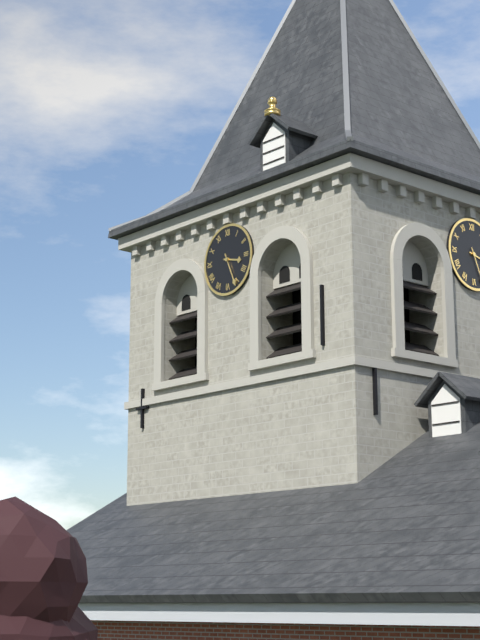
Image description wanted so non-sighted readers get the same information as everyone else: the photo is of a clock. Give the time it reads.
3:26
